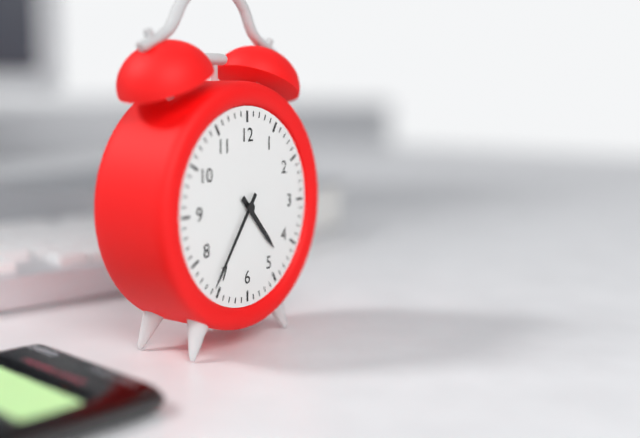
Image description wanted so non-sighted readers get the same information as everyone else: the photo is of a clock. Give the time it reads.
4:36
